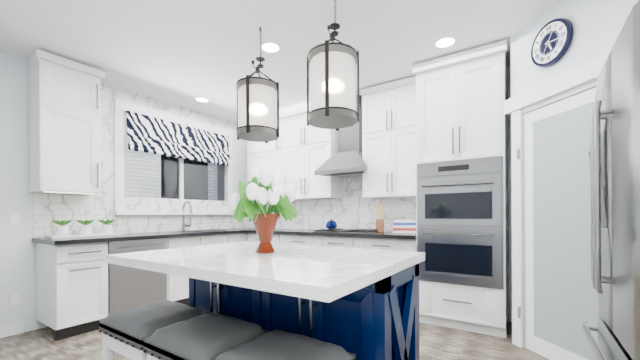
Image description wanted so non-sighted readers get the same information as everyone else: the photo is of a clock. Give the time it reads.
5:16
